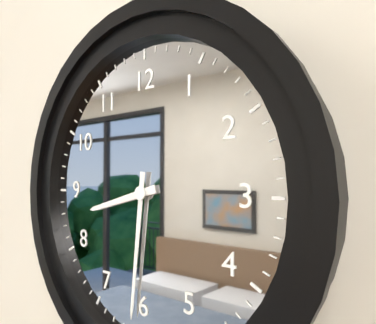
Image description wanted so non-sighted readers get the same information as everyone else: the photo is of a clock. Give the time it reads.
8:31
